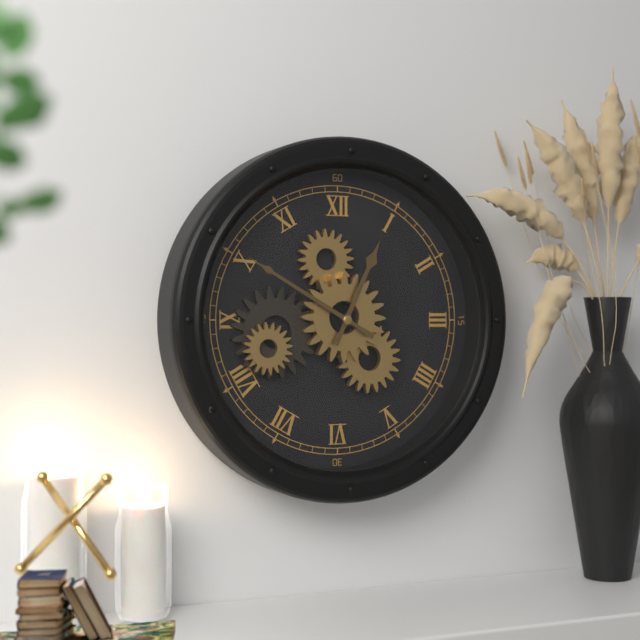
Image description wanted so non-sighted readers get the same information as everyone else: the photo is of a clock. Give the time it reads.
12:50
